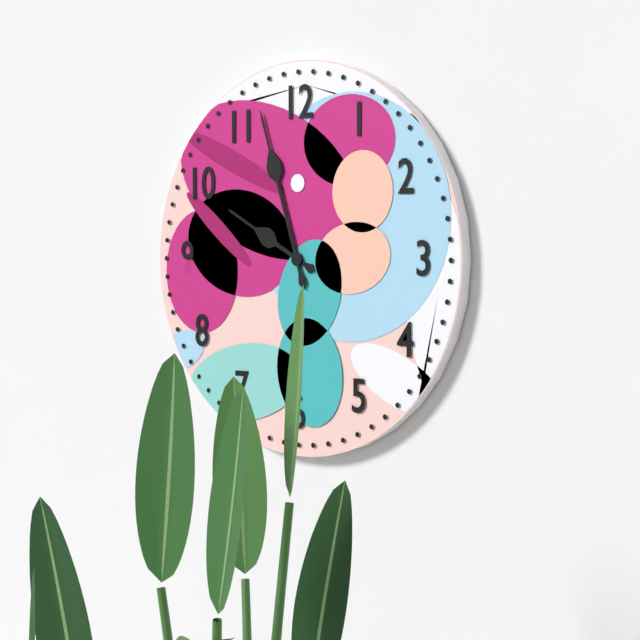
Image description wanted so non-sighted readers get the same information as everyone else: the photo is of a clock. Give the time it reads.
9:57
